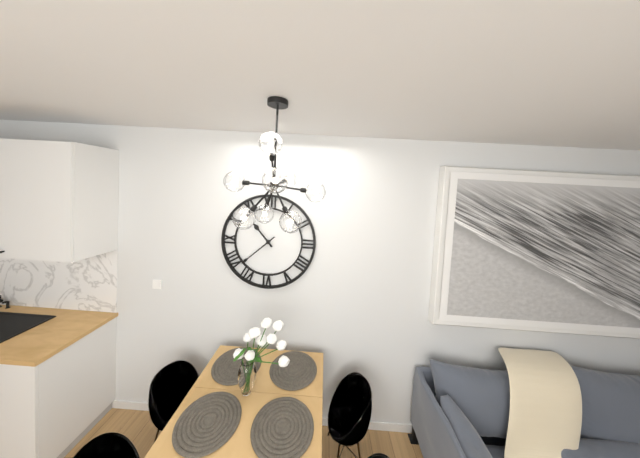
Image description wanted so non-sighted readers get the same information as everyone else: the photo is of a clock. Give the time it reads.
10:38
